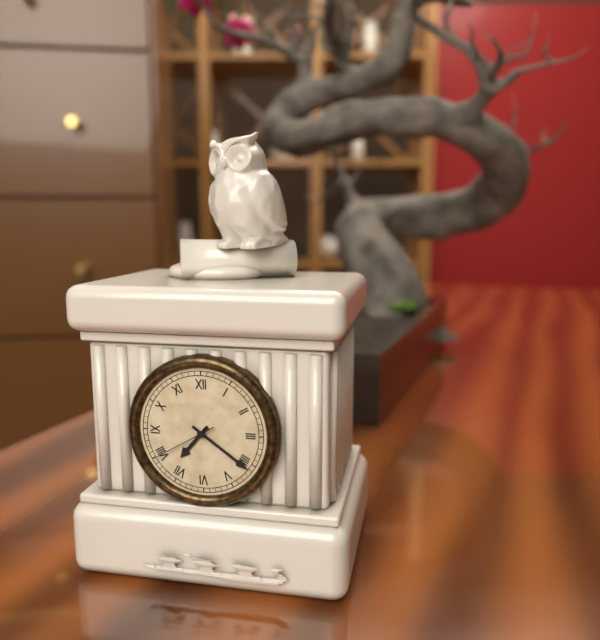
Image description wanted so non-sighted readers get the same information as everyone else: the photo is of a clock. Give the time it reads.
7:21:40
